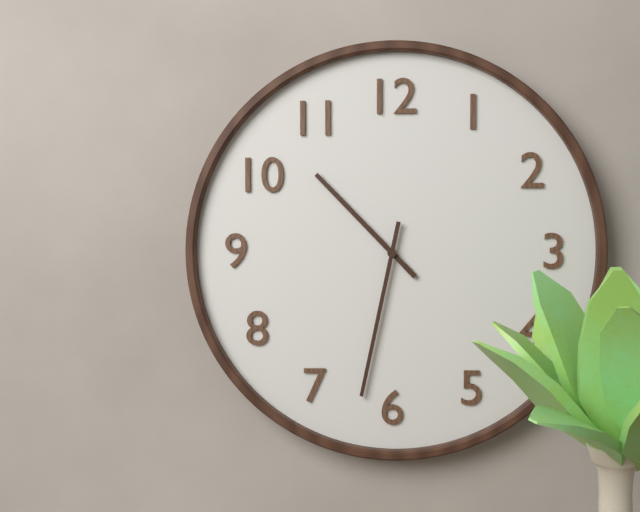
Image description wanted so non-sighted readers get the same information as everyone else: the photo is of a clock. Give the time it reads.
10:32
